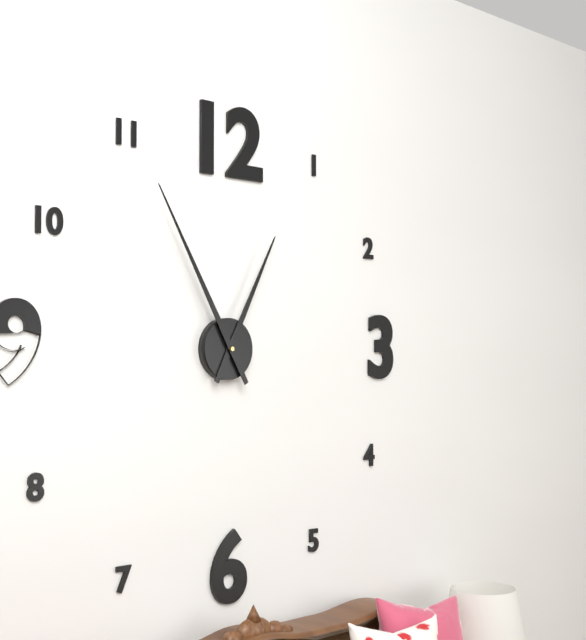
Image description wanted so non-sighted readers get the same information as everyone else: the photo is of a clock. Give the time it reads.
12:55
